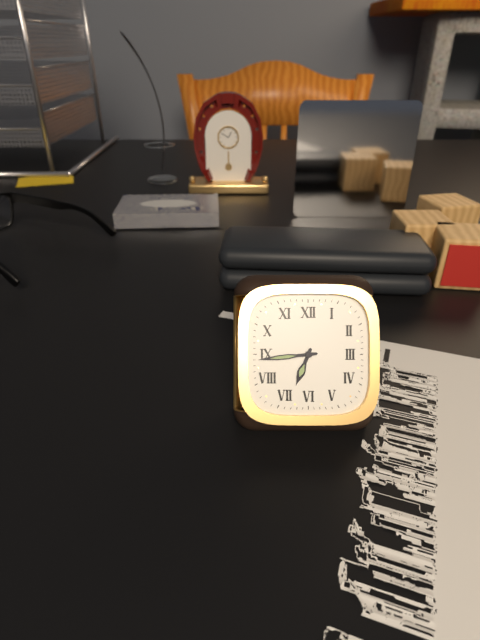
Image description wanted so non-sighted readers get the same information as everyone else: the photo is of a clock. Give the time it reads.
6:44
